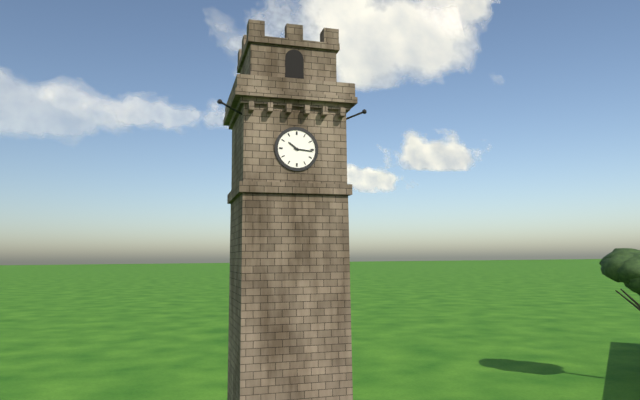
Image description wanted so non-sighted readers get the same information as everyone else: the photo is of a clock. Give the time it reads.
10:16
